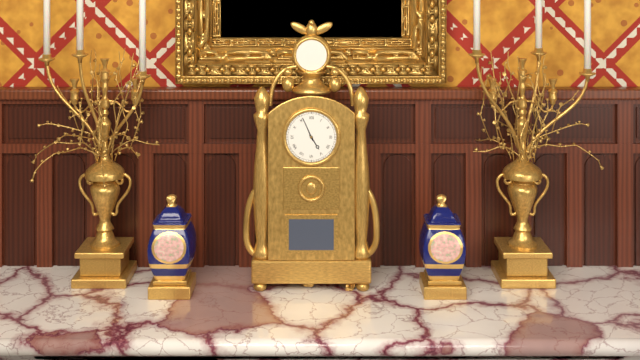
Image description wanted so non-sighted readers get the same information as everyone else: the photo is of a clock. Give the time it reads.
4:56
